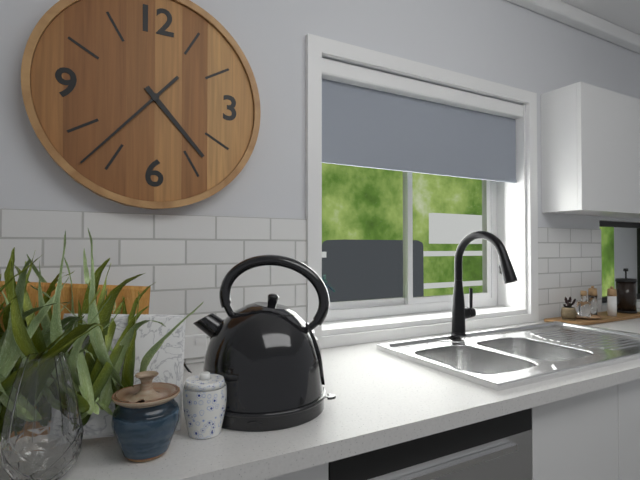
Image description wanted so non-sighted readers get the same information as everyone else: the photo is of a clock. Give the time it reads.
4:37
